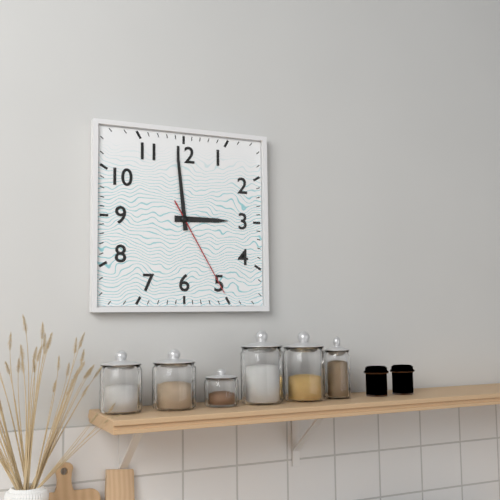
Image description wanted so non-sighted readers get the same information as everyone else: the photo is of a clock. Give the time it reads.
2:59:25
